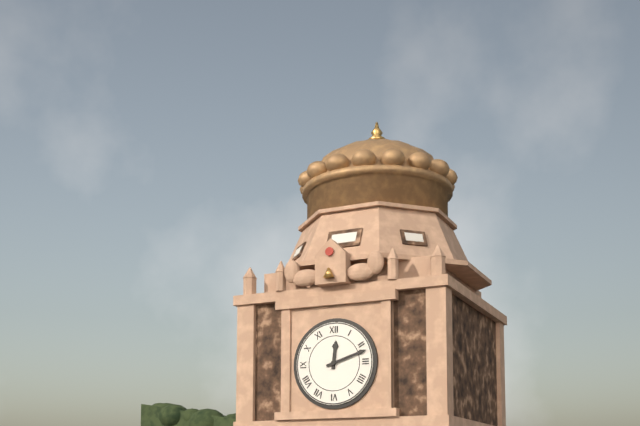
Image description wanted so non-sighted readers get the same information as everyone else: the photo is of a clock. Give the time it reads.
12:12
